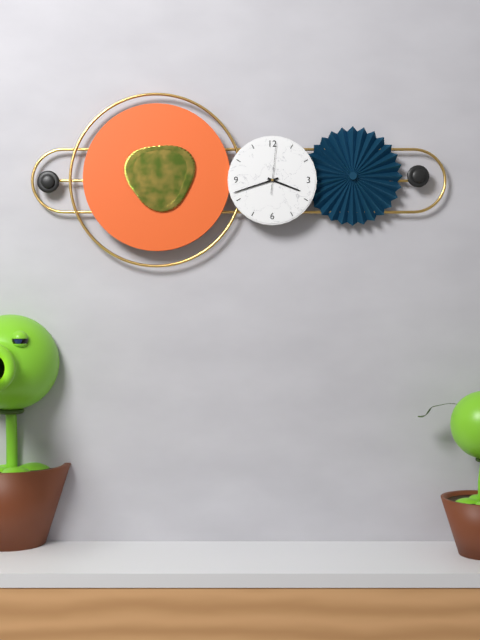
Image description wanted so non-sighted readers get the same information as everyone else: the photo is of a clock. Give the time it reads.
3:42
